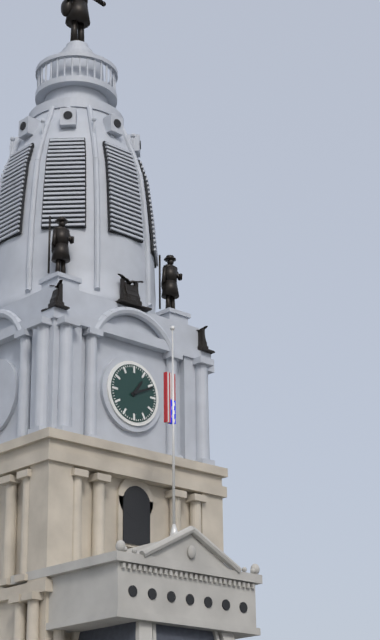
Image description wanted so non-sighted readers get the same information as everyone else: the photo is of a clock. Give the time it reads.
1:11
